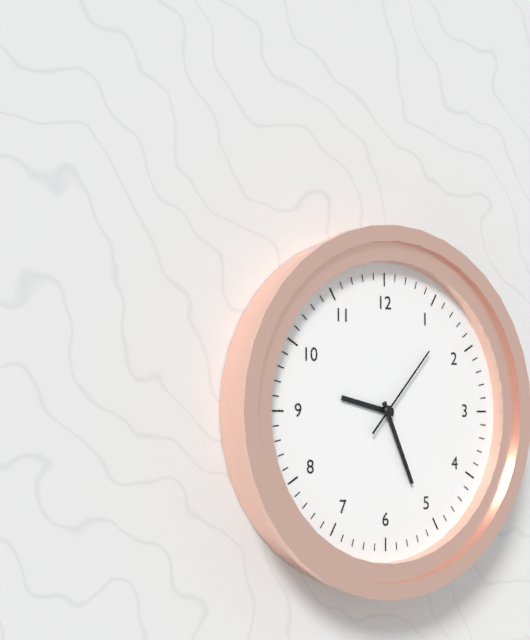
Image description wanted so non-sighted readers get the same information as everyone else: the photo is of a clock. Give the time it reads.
9:26:07
